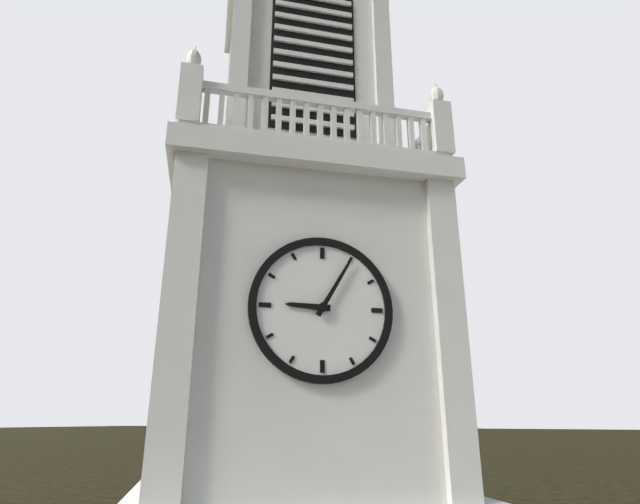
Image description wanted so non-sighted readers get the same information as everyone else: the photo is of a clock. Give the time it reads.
9:05
